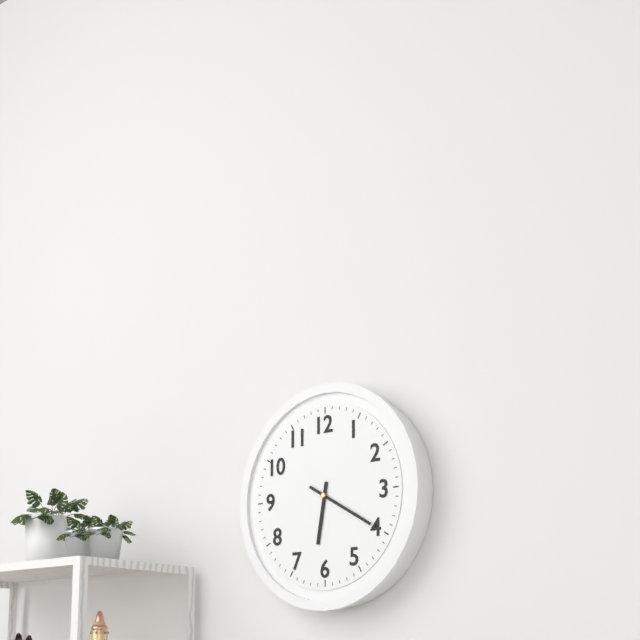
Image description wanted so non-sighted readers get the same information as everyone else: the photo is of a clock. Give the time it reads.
6:20
